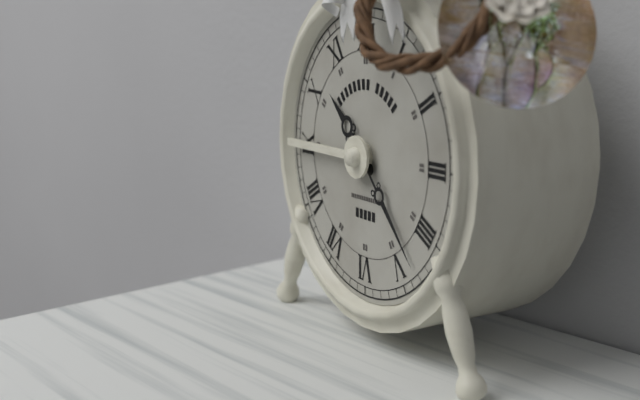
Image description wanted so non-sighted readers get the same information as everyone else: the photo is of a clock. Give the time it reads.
10:23
